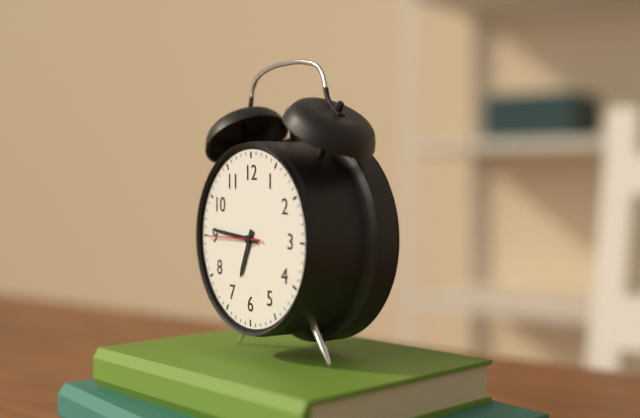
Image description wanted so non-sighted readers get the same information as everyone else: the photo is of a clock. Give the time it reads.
6:46:45
